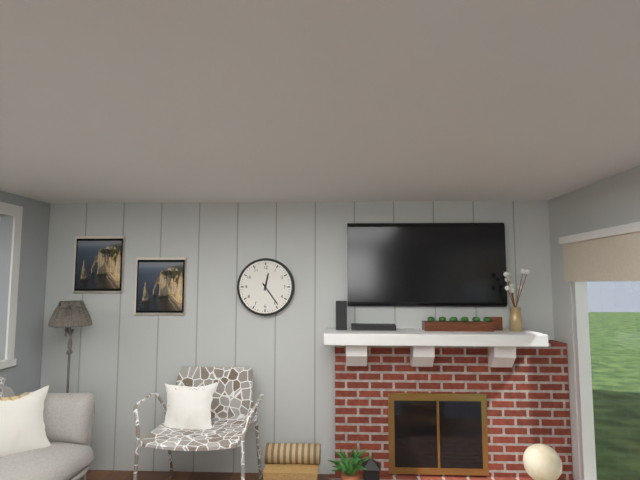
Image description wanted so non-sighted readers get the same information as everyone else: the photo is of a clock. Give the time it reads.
12:24
